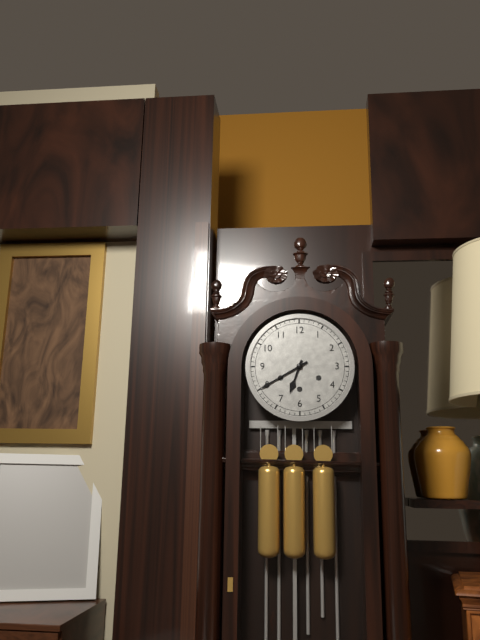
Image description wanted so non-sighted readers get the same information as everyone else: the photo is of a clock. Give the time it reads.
6:40
